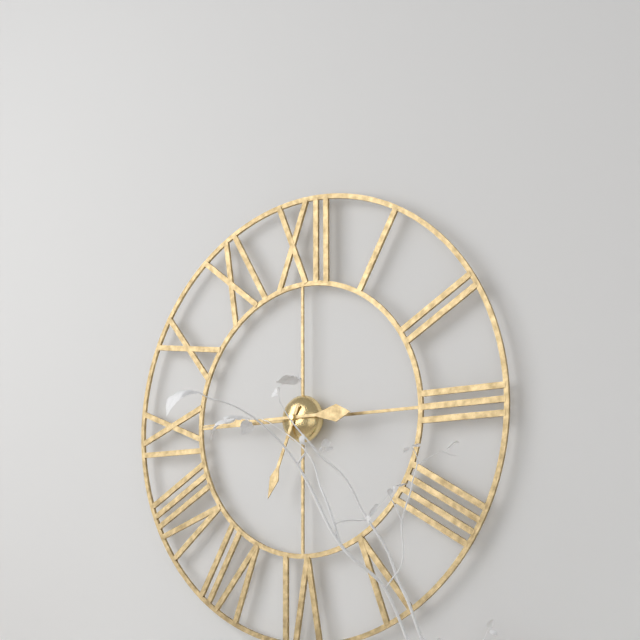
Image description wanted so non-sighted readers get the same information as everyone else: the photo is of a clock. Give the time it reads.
6:45
